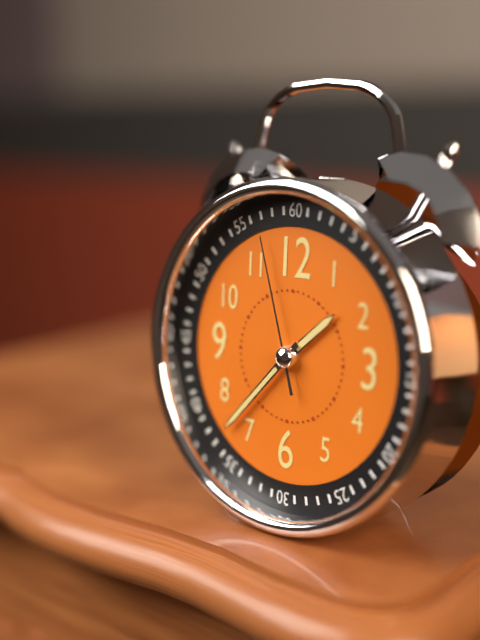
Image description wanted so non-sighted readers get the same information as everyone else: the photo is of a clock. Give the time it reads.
1:37:57
